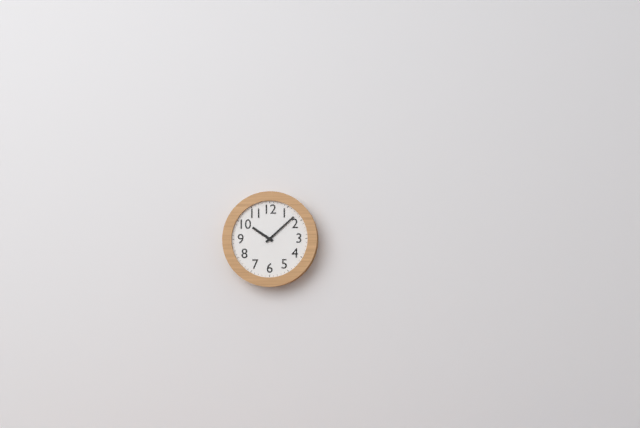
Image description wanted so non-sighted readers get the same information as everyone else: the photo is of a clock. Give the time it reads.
10:08
